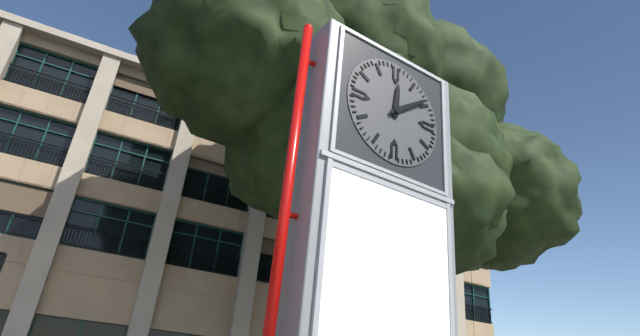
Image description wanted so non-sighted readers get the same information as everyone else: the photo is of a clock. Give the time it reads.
12:09
